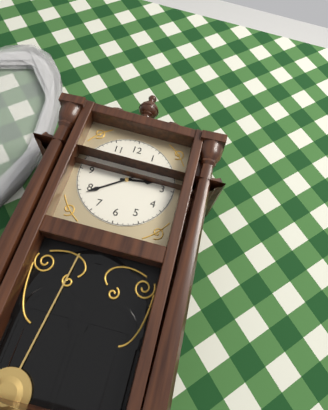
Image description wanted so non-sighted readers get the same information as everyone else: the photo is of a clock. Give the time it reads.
2:39
